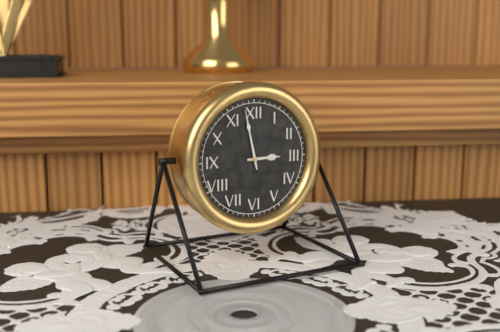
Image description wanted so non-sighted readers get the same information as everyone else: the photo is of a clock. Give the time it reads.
2:58
